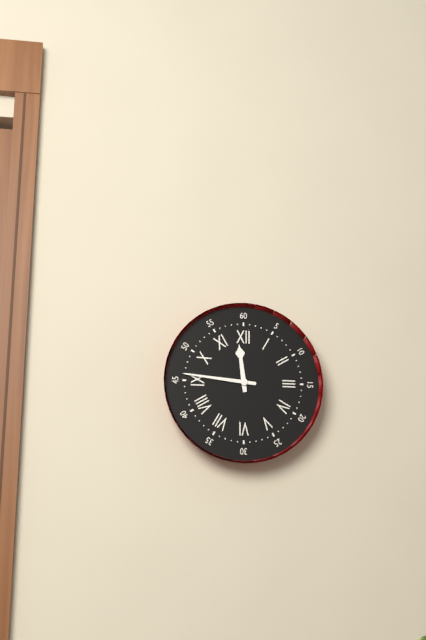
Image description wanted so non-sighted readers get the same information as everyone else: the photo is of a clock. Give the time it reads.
11:46
